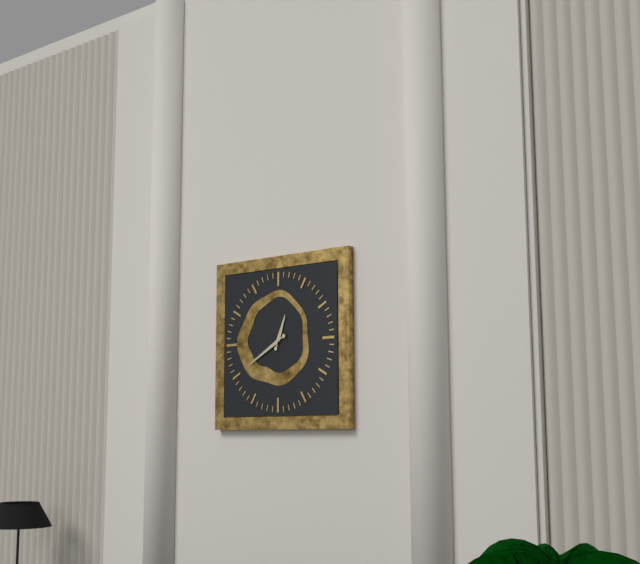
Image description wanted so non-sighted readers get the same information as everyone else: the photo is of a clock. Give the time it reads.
12:40
